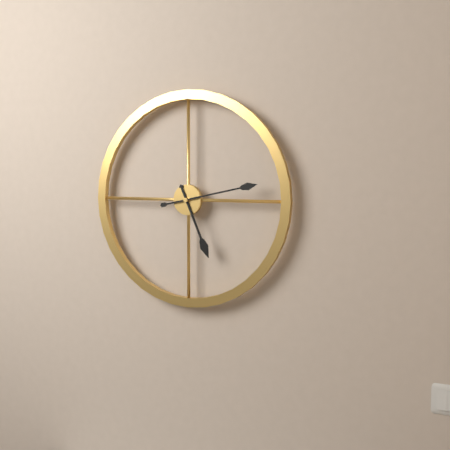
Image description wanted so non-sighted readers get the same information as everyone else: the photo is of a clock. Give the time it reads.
5:13
